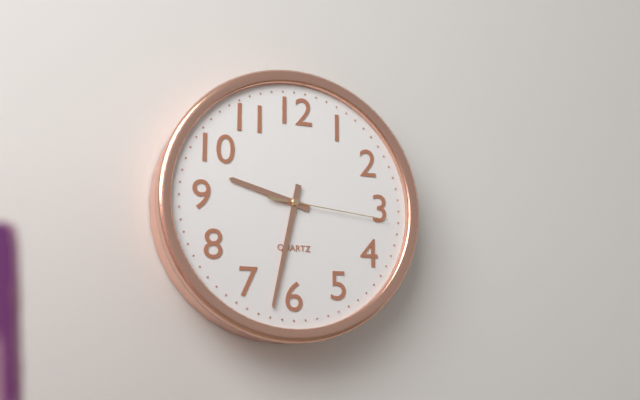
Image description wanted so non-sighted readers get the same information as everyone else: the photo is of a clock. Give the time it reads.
9:32:16
